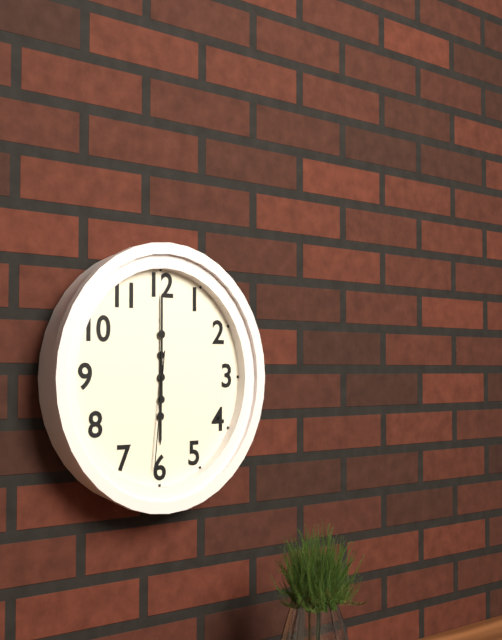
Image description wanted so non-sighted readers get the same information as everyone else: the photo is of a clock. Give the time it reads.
6:00:31
